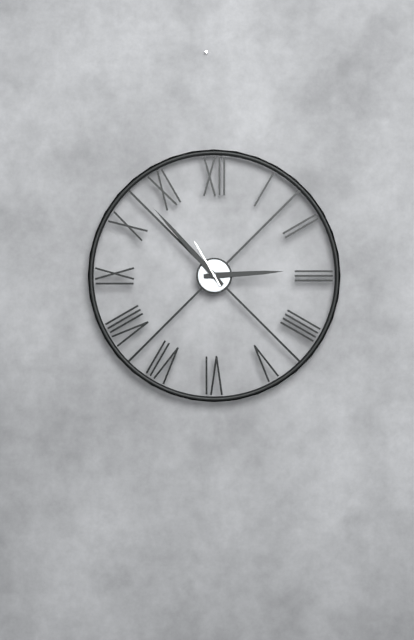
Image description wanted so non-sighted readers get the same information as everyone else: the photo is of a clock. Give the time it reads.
2:53
